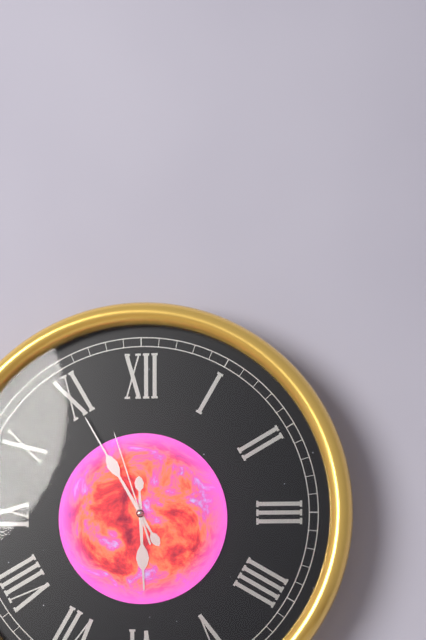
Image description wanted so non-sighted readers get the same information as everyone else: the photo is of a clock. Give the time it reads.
5:55:57
